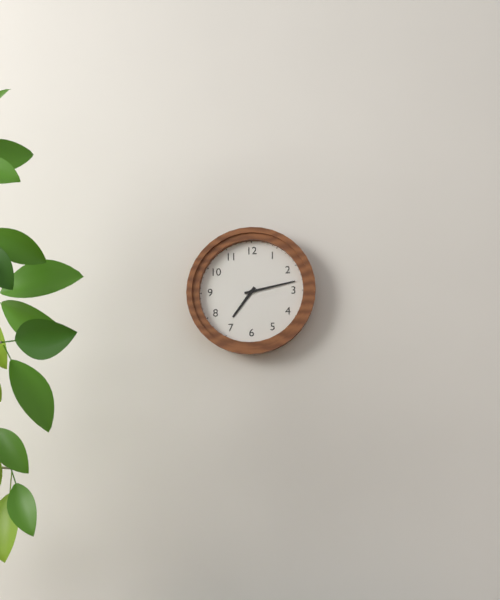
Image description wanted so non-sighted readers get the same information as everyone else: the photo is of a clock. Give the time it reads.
7:13
